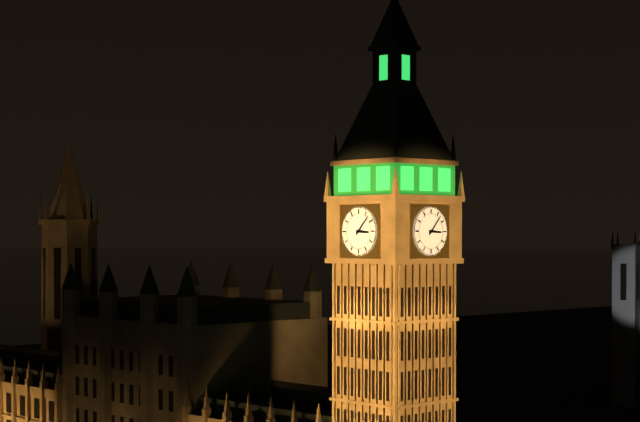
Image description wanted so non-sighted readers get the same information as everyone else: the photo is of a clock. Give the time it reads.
3:07
